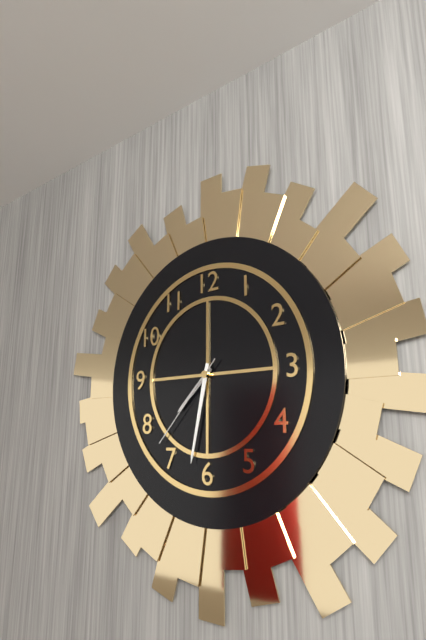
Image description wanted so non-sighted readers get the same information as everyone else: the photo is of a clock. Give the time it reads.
7:32:37
